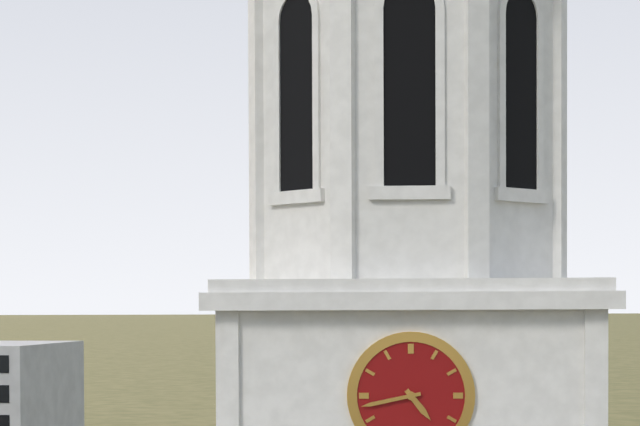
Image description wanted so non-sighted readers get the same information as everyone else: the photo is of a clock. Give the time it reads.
4:43
